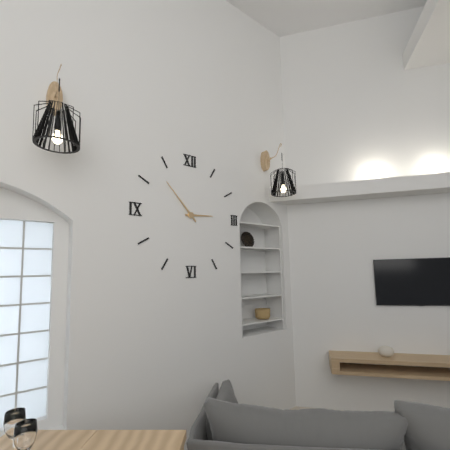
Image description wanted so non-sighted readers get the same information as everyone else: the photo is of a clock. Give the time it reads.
2:53
